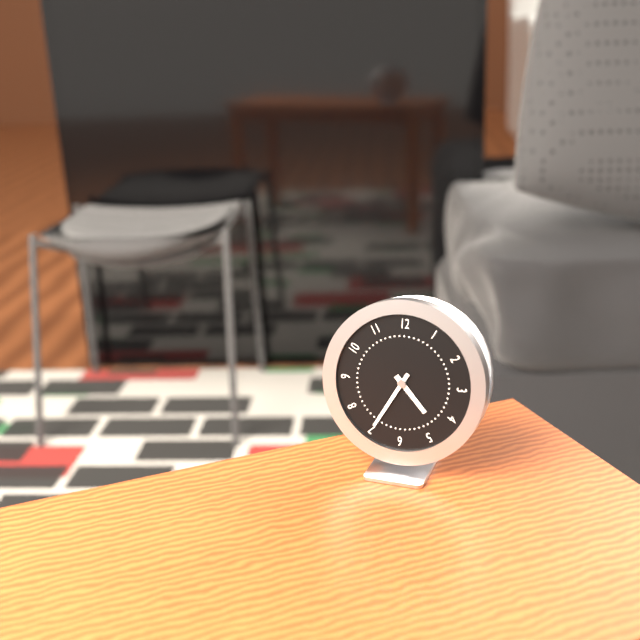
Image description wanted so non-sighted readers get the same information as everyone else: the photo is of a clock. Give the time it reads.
4:35
